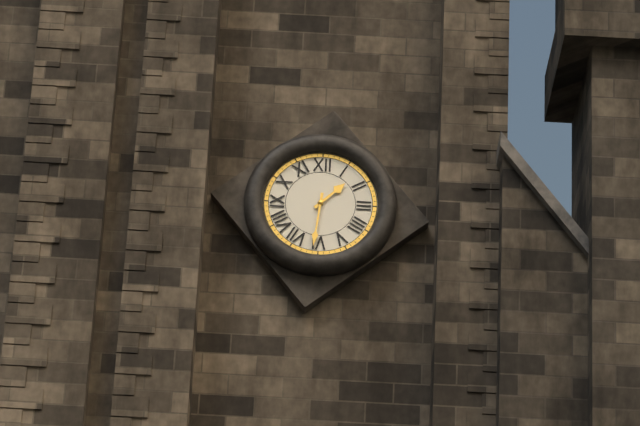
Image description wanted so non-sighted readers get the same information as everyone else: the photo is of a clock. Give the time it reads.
1:31
